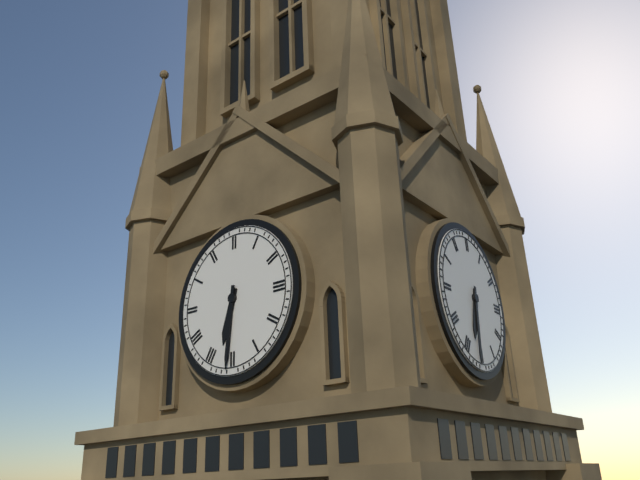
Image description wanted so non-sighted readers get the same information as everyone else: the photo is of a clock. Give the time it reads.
6:31
